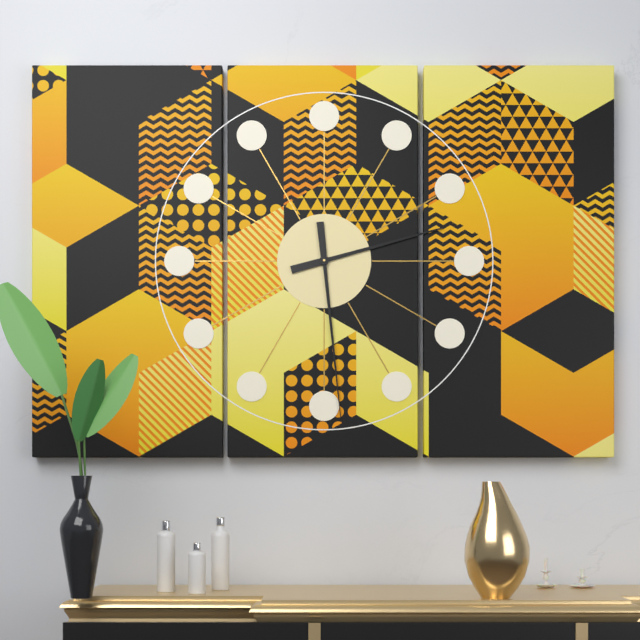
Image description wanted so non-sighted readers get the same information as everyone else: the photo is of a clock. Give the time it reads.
2:29
